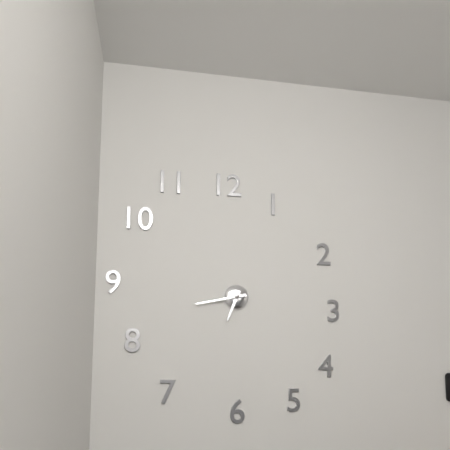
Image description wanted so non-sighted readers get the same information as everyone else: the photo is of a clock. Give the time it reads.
6:43
